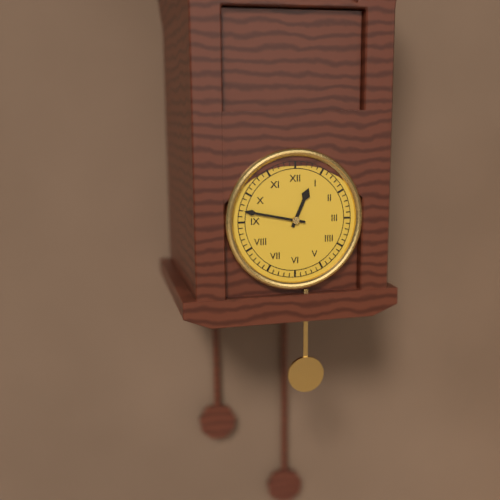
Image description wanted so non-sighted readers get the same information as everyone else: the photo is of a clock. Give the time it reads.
12:47
